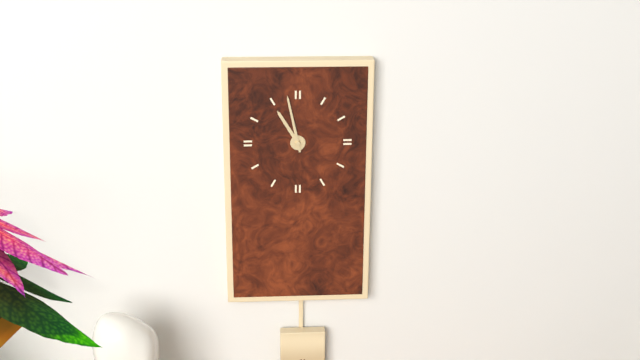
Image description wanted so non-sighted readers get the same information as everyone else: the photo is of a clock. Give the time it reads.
10:58
